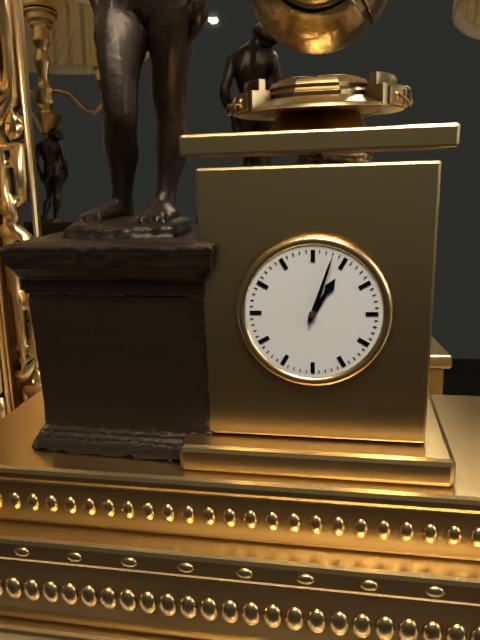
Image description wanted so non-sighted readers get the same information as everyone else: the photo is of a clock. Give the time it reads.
1:03
